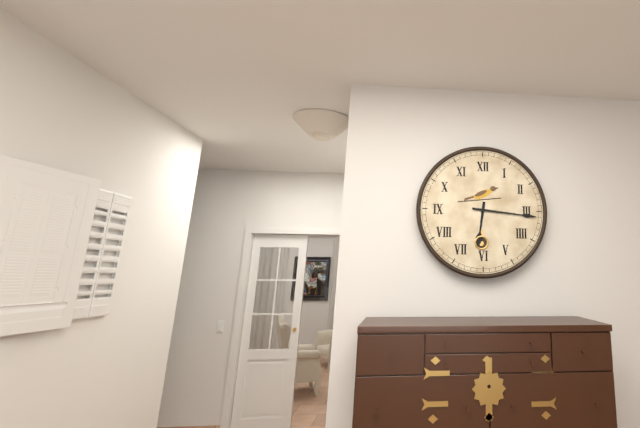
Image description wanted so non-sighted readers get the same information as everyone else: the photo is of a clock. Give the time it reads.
6:16
